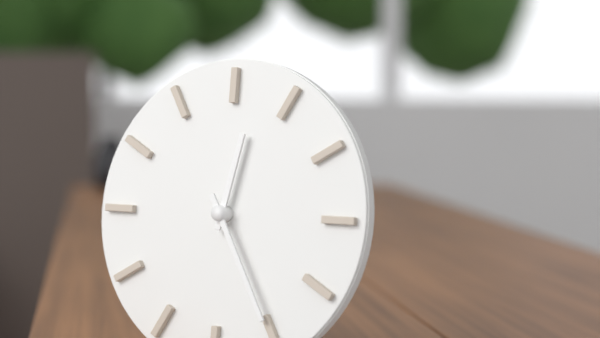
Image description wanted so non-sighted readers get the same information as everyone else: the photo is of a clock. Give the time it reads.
12:25
